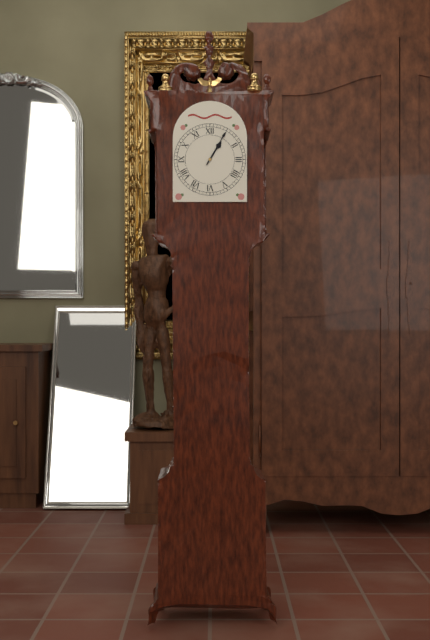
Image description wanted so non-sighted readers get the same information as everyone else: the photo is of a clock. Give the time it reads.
1:05
